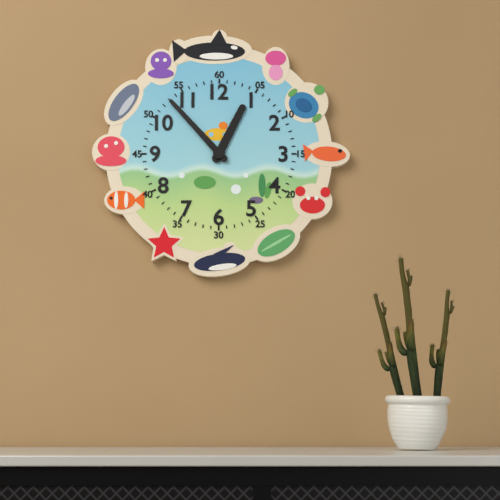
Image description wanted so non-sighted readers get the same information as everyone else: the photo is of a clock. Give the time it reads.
12:53
